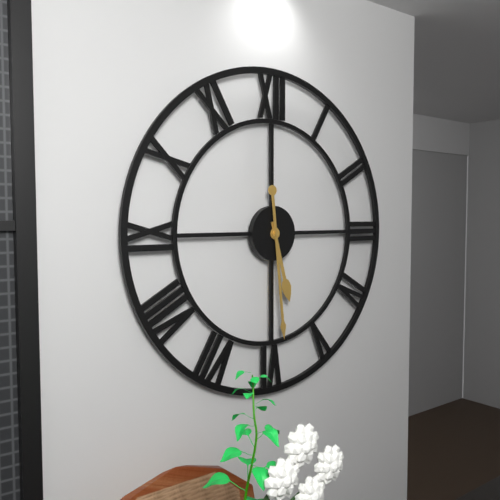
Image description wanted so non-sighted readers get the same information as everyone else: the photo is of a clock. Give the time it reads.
5:29
